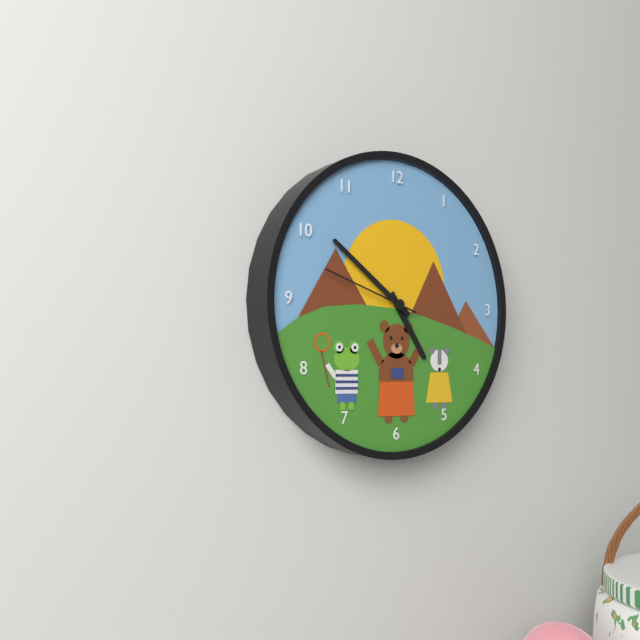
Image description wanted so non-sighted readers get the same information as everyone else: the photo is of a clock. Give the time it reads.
4:51:48
